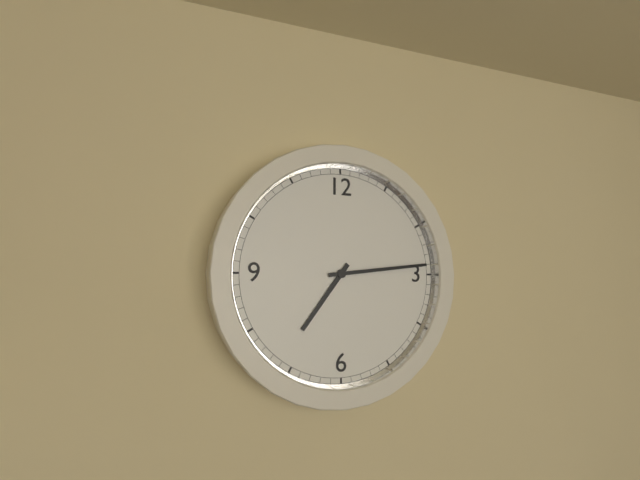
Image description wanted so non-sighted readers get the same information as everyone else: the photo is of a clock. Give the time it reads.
7:14
